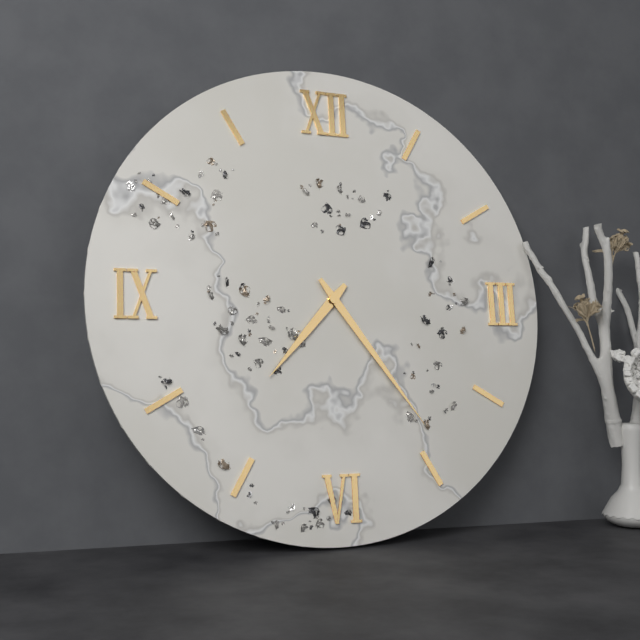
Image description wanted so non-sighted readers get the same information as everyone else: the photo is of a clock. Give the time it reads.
7:24
